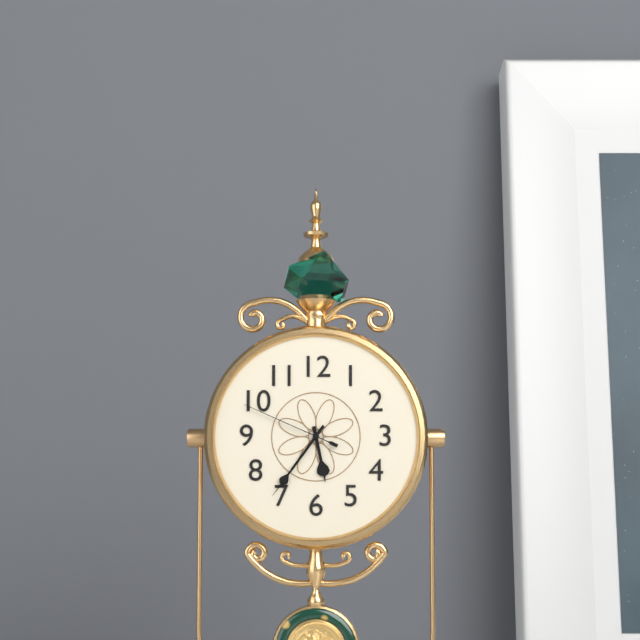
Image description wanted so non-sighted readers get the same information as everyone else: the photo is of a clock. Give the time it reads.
5:36:49
